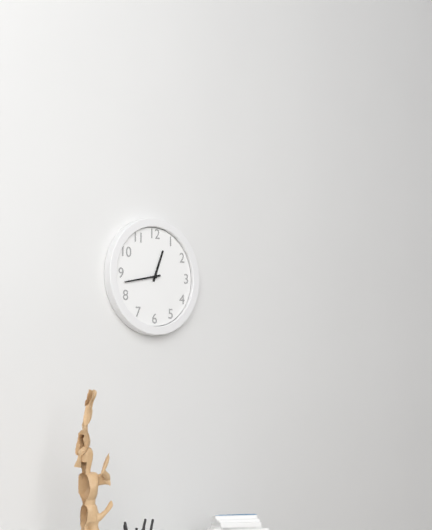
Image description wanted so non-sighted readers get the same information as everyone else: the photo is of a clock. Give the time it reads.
12:43
